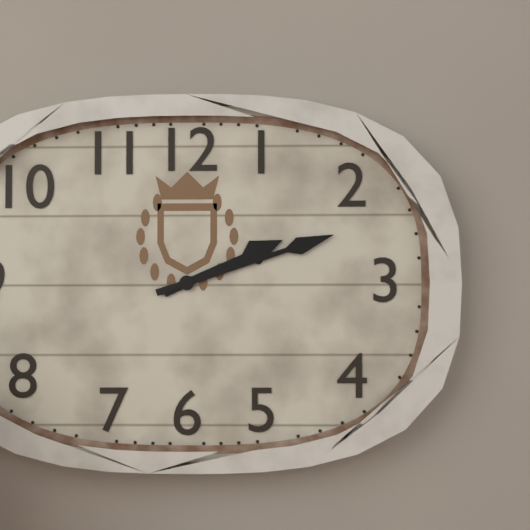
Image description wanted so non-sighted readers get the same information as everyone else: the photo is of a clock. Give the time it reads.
2:12
